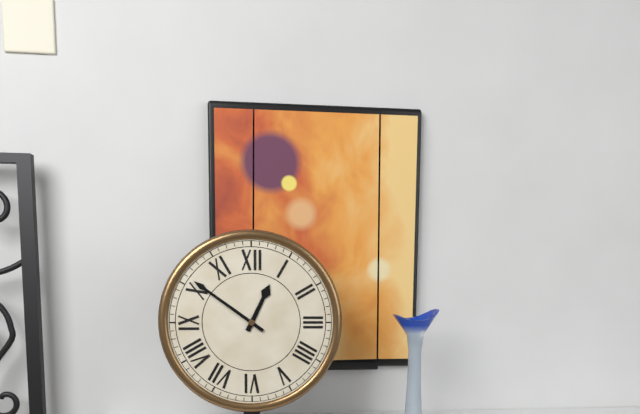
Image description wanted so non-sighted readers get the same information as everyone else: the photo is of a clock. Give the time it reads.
12:51
